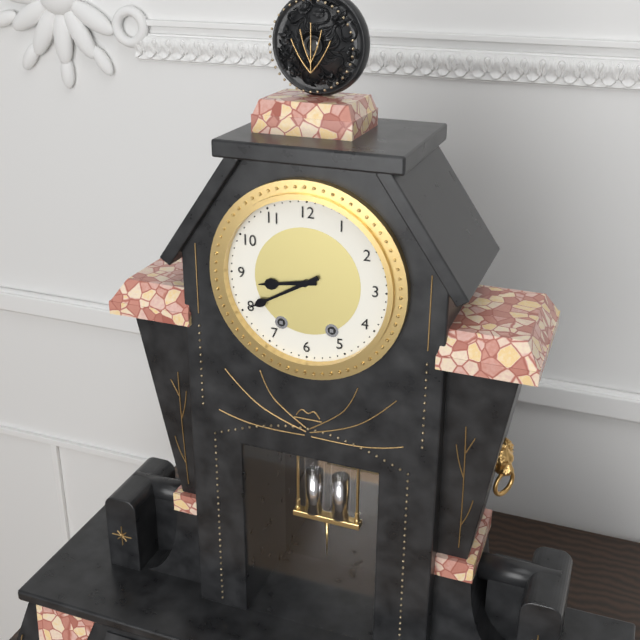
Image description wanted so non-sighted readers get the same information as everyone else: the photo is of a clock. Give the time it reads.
8:40
